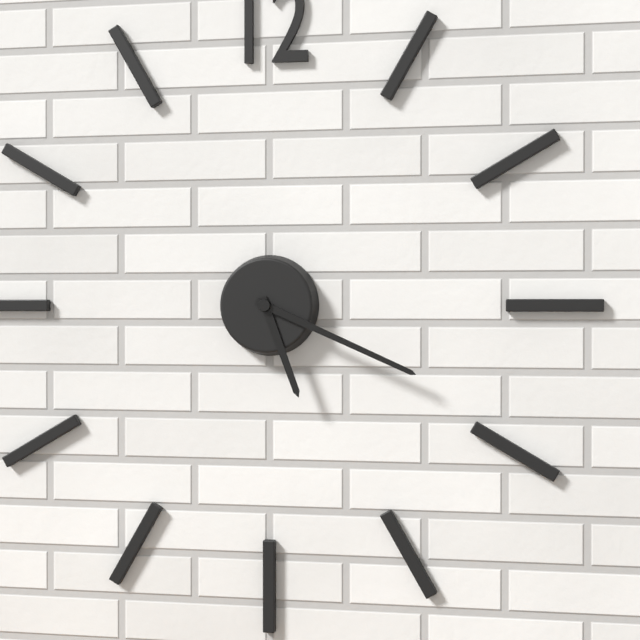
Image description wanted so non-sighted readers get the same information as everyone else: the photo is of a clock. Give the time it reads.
5:19
